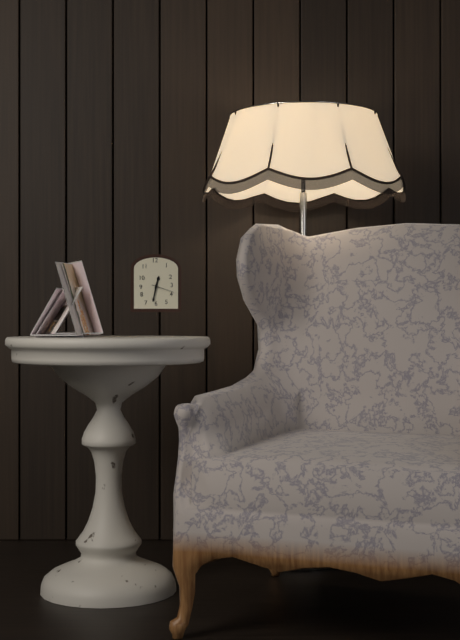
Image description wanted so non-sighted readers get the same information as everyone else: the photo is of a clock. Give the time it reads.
12:32
